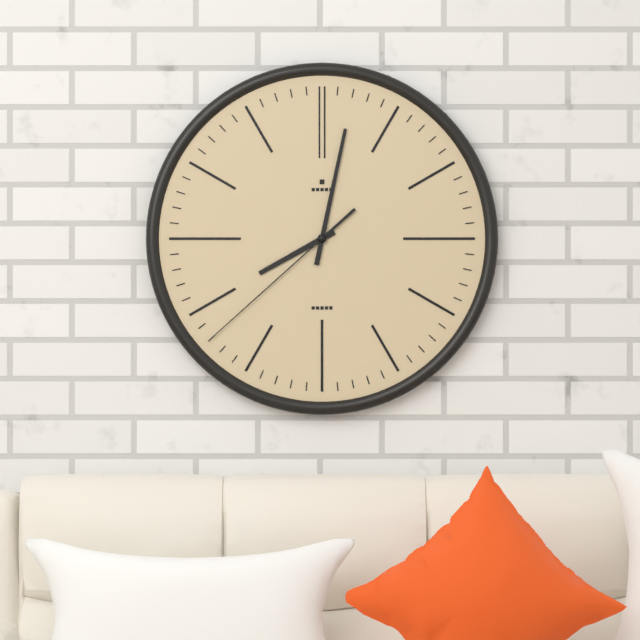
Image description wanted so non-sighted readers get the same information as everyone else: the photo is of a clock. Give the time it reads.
8:02:38
